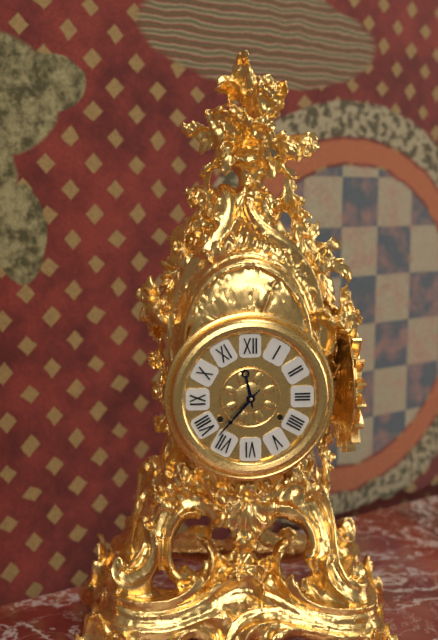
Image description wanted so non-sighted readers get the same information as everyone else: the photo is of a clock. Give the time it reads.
11:37
